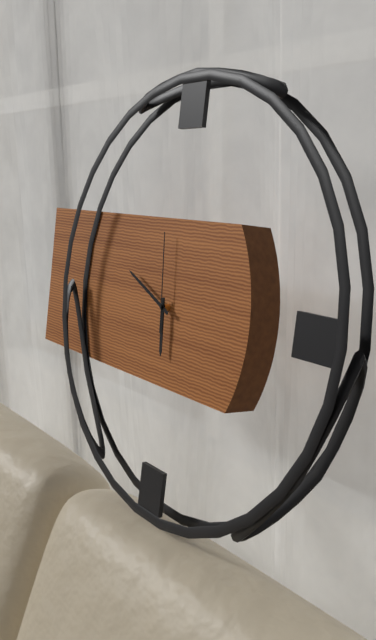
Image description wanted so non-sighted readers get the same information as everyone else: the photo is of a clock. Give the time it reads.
5:49:59
